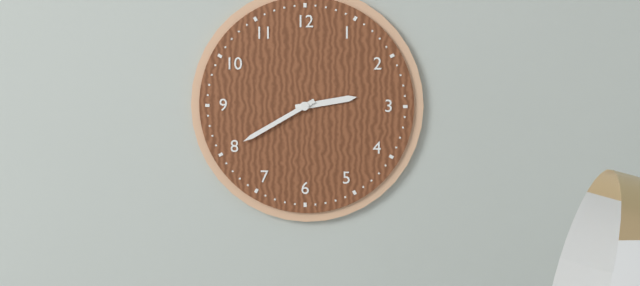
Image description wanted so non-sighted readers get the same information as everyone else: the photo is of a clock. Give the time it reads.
2:40
